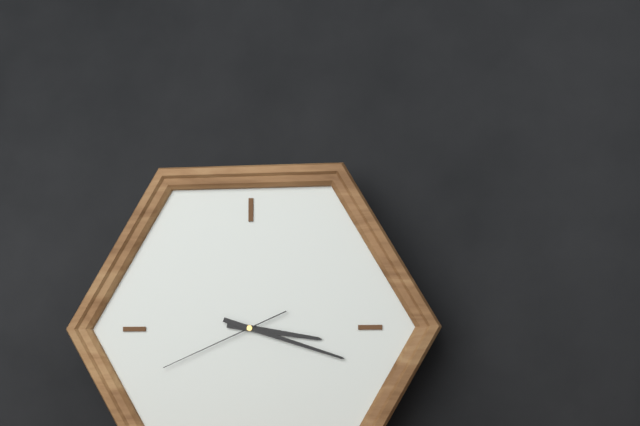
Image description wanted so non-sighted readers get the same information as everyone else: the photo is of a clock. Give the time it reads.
3:18:41
